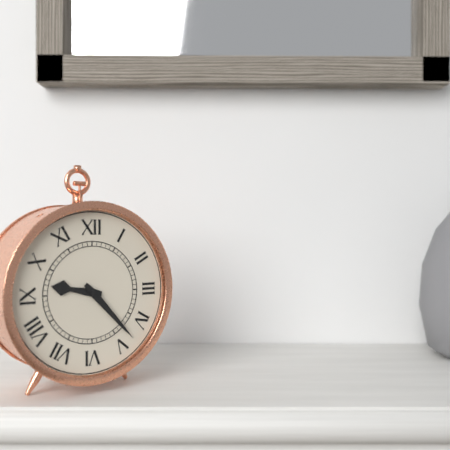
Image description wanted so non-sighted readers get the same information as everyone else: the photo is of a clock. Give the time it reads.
9:23
